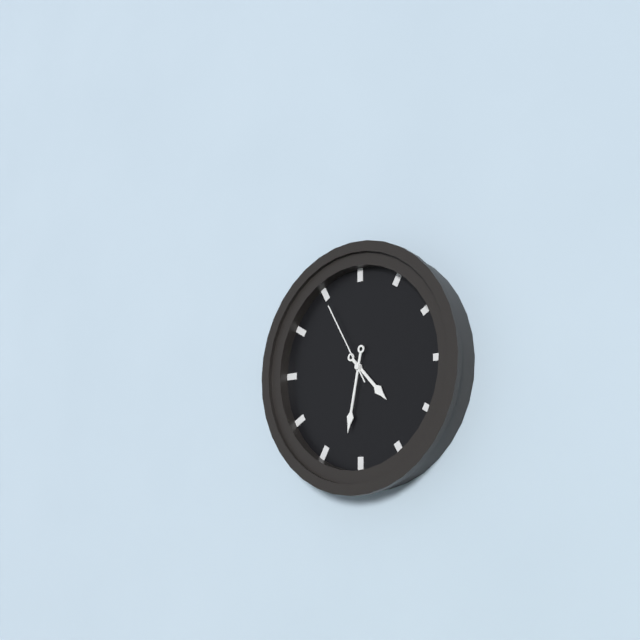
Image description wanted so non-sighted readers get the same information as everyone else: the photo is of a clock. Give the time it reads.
4:32:55
